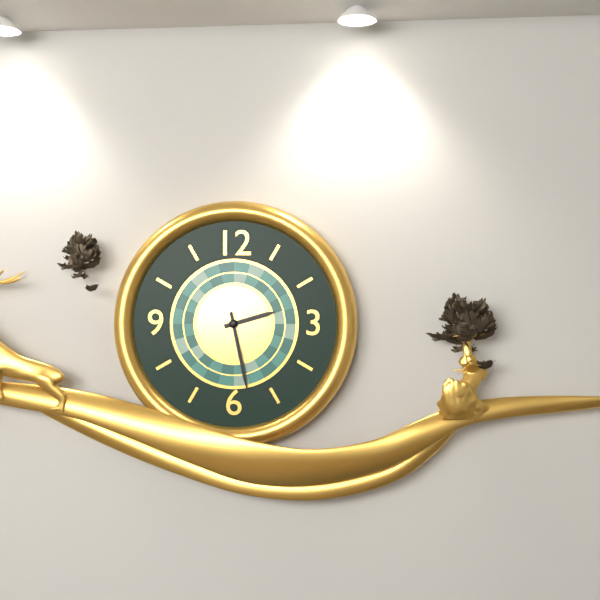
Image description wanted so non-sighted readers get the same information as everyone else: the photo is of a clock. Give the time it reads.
2:28
